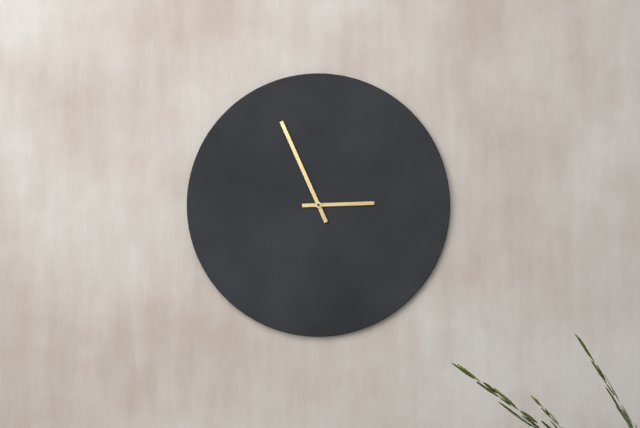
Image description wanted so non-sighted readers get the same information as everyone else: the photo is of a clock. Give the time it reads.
2:56
